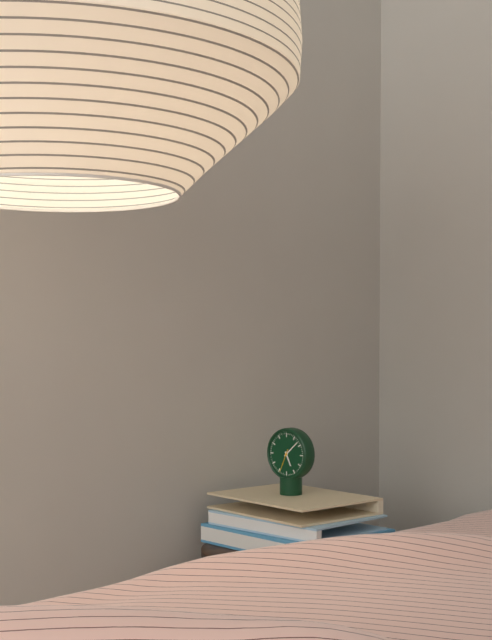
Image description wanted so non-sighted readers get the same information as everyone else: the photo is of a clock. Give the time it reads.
5:08
